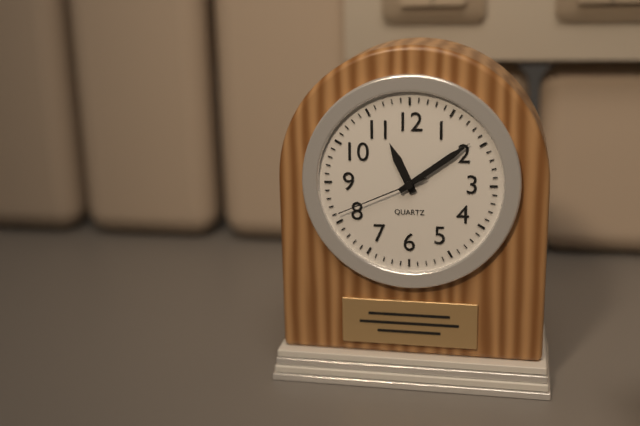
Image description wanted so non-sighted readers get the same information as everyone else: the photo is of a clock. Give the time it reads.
11:09:41
